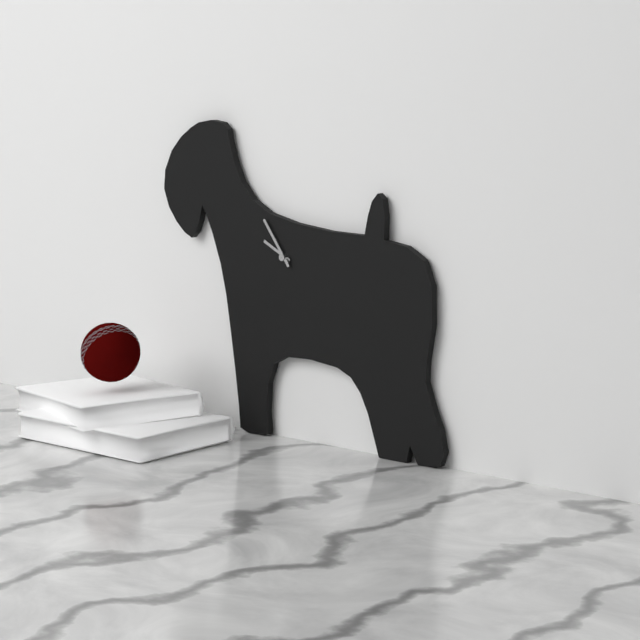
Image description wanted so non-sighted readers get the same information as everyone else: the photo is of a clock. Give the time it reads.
9:54
